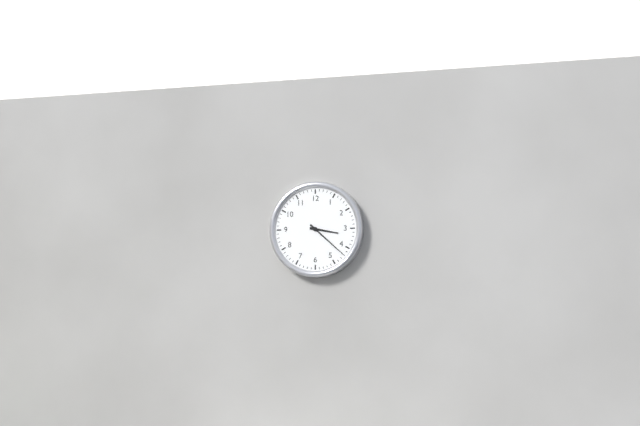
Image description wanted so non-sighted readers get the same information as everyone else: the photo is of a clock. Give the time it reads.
3:22
